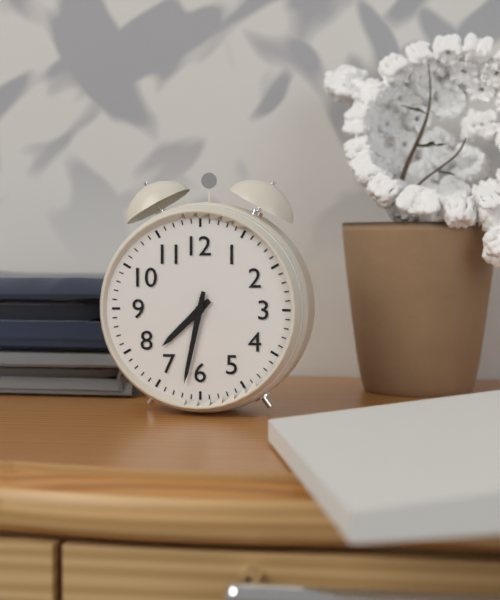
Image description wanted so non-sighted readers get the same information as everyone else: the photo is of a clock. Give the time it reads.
7:32
